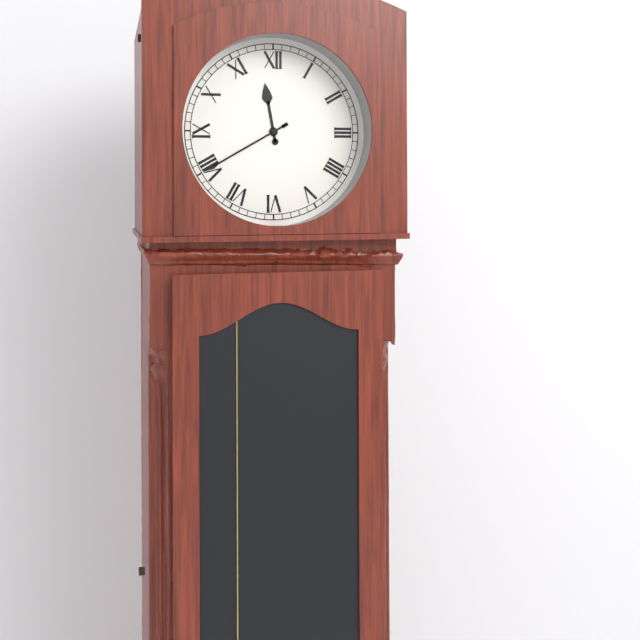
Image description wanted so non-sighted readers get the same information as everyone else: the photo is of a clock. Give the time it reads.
11:40
